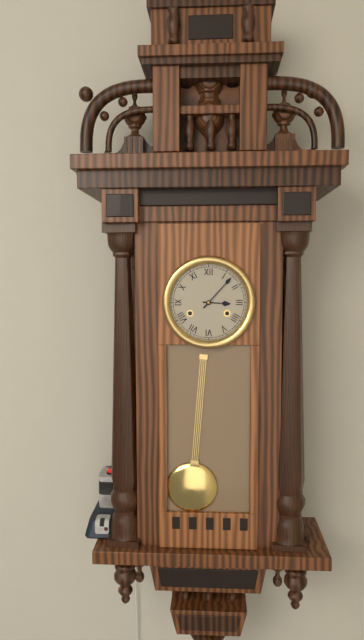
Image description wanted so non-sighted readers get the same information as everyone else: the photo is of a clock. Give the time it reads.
3:07
